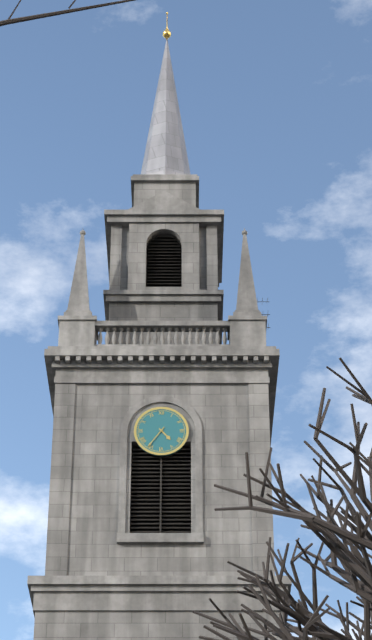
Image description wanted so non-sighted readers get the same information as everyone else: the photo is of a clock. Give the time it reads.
4:36
